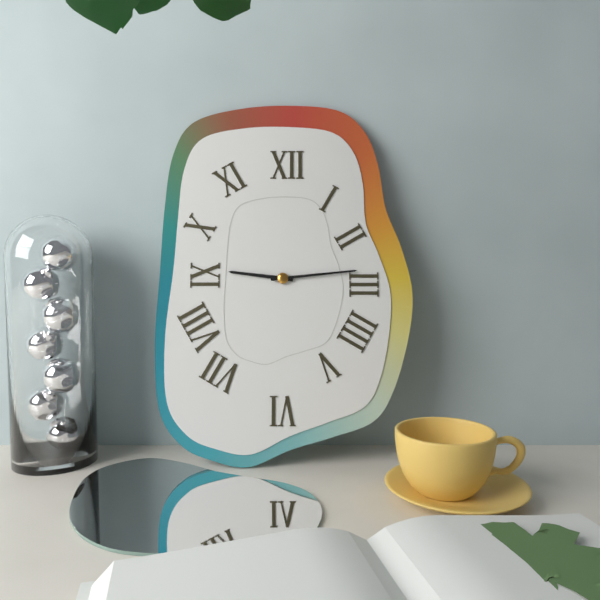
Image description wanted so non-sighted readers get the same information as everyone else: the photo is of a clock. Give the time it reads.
9:14
